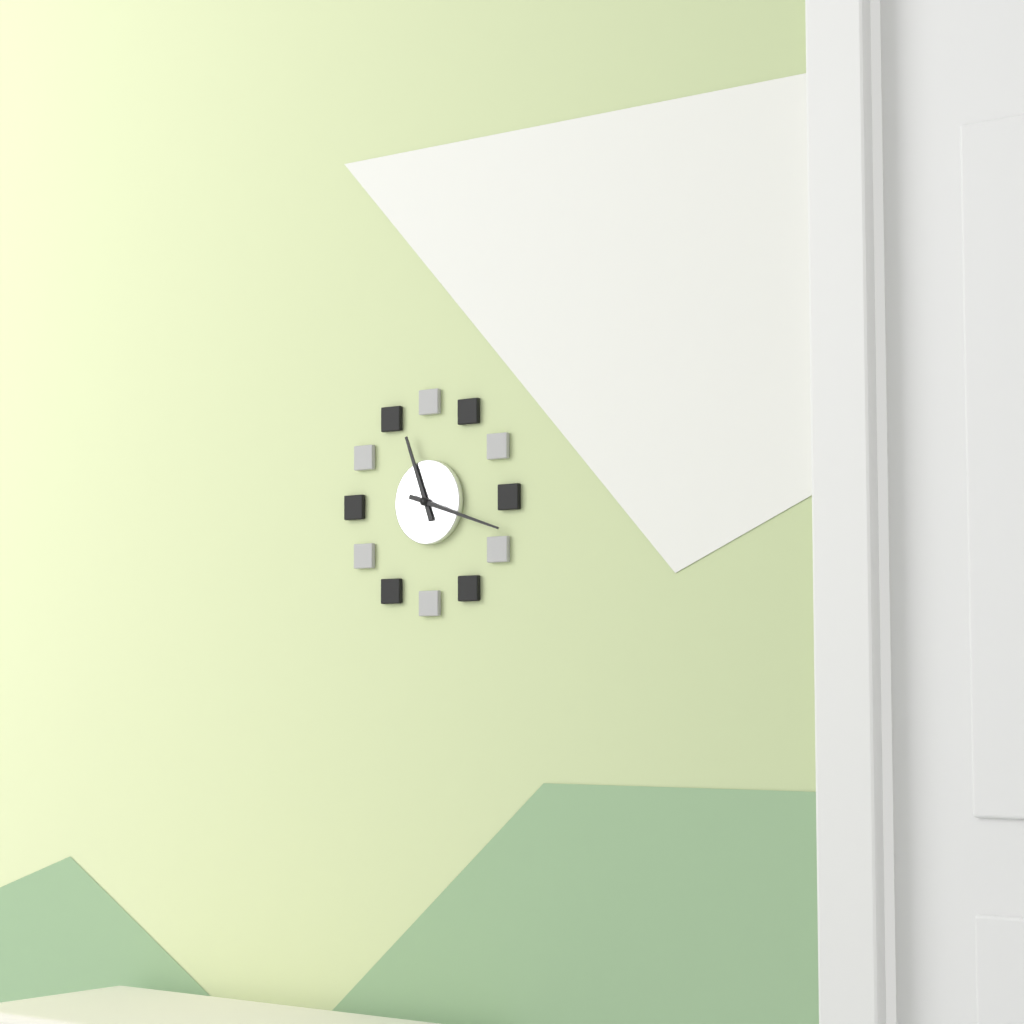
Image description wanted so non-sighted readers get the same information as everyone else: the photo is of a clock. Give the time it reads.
11:18
